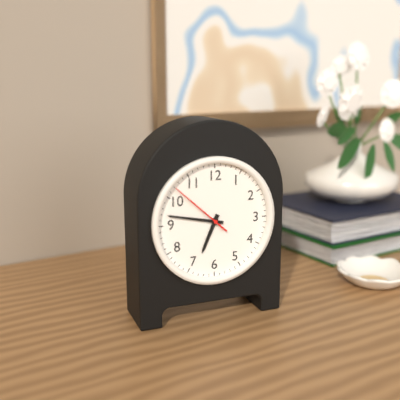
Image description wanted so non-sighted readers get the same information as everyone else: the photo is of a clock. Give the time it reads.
6:47
